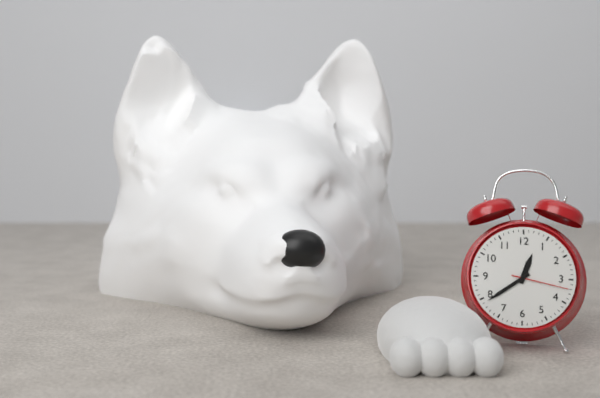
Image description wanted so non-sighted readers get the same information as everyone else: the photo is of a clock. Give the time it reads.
12:39:17
